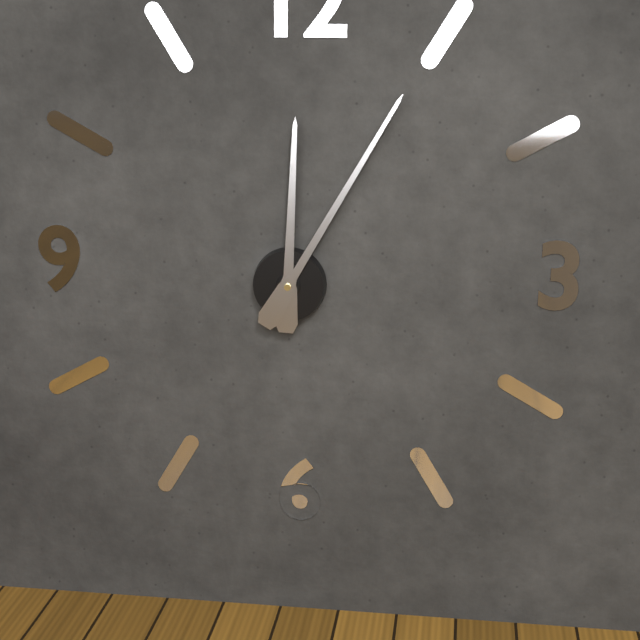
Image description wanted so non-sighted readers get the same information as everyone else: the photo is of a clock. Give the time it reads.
12:05
